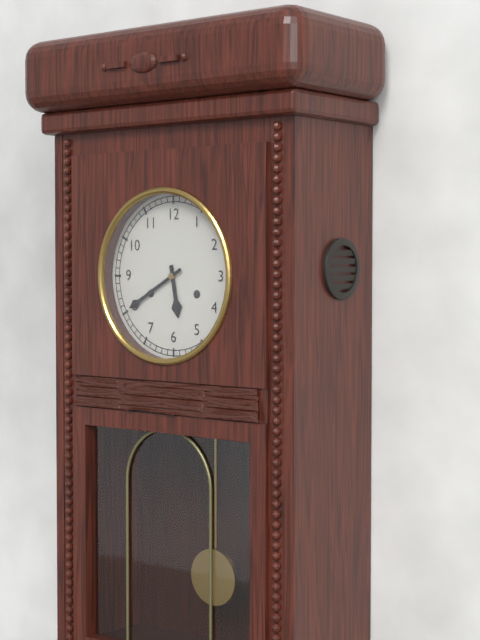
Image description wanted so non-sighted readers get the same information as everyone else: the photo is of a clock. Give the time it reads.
5:40
